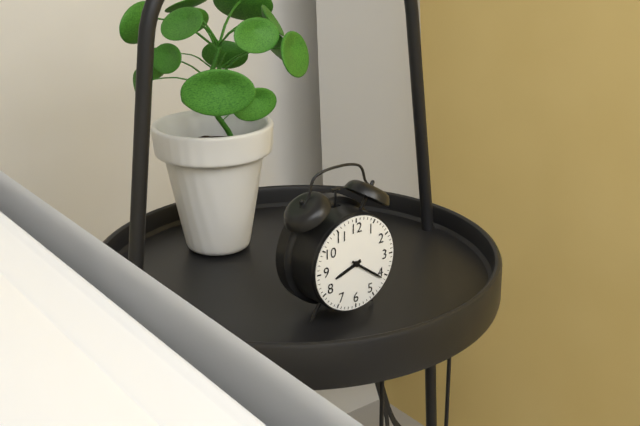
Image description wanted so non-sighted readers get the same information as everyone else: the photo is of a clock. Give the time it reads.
8:21
